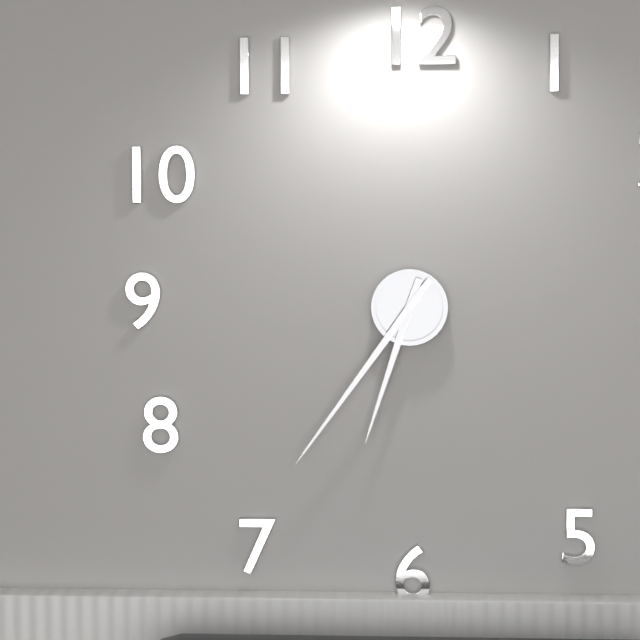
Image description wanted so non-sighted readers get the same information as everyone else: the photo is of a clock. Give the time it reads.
6:36
